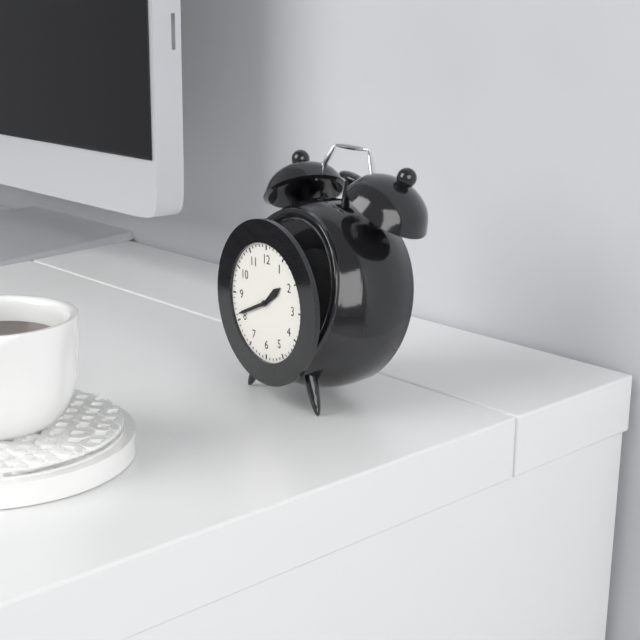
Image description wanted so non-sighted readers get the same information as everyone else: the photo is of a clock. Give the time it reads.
1:41
